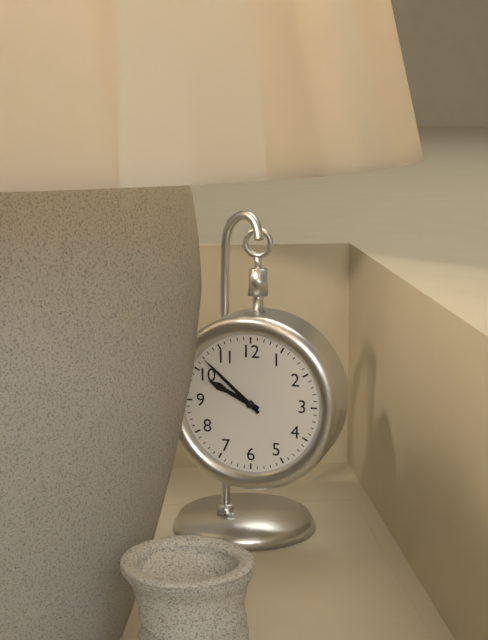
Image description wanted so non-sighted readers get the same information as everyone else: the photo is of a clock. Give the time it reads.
9:52
